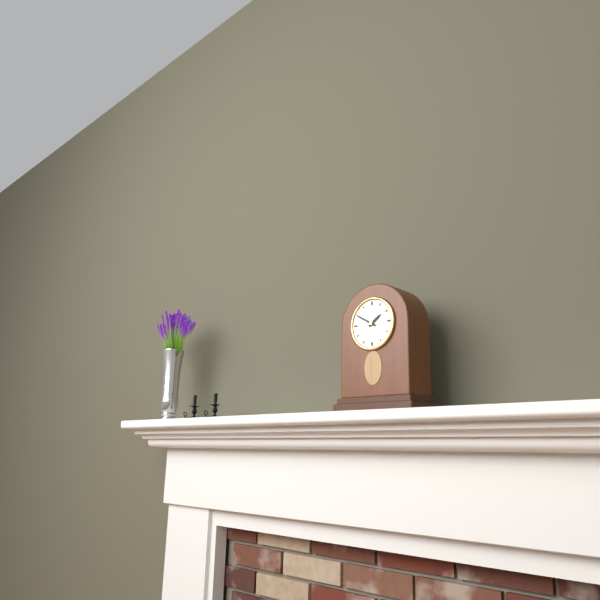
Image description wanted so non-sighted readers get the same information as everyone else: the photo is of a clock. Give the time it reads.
1:50
